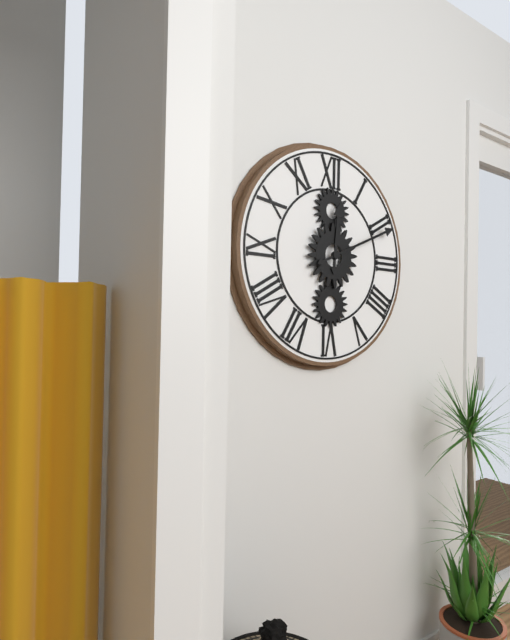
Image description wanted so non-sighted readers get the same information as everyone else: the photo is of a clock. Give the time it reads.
12:11
